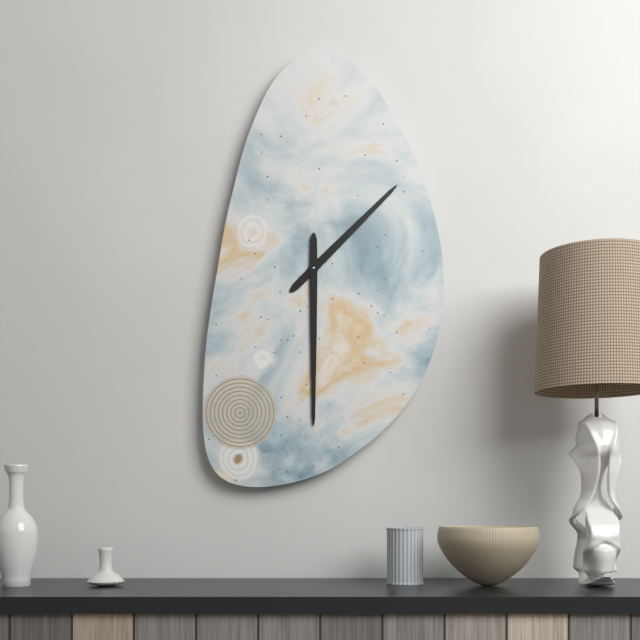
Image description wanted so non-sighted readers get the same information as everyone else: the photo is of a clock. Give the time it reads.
1:30
